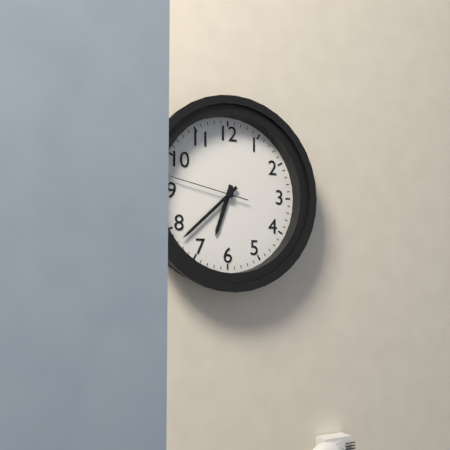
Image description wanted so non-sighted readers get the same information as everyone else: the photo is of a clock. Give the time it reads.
6:38:47
